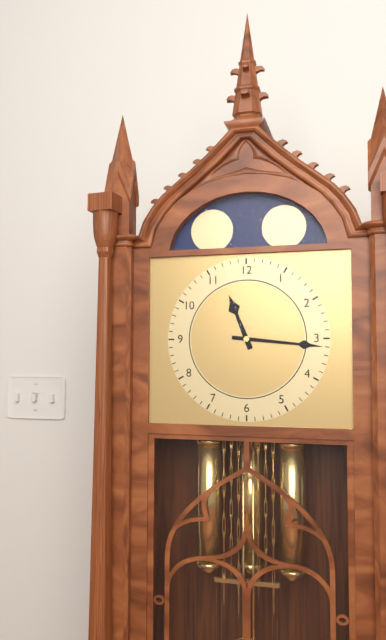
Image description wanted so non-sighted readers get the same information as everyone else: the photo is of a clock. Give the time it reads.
11:16
